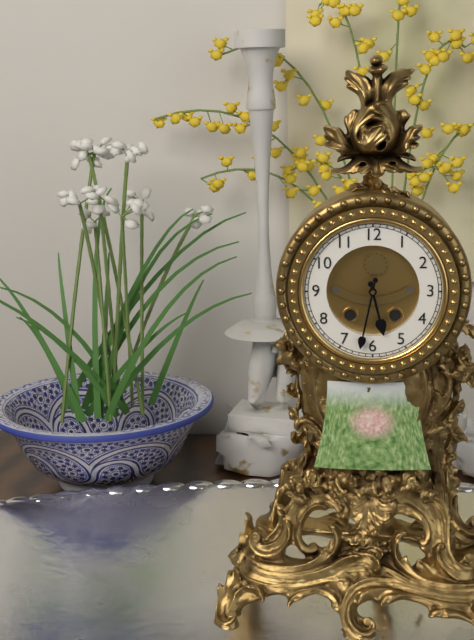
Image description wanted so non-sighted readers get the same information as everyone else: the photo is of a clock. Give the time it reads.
5:32
